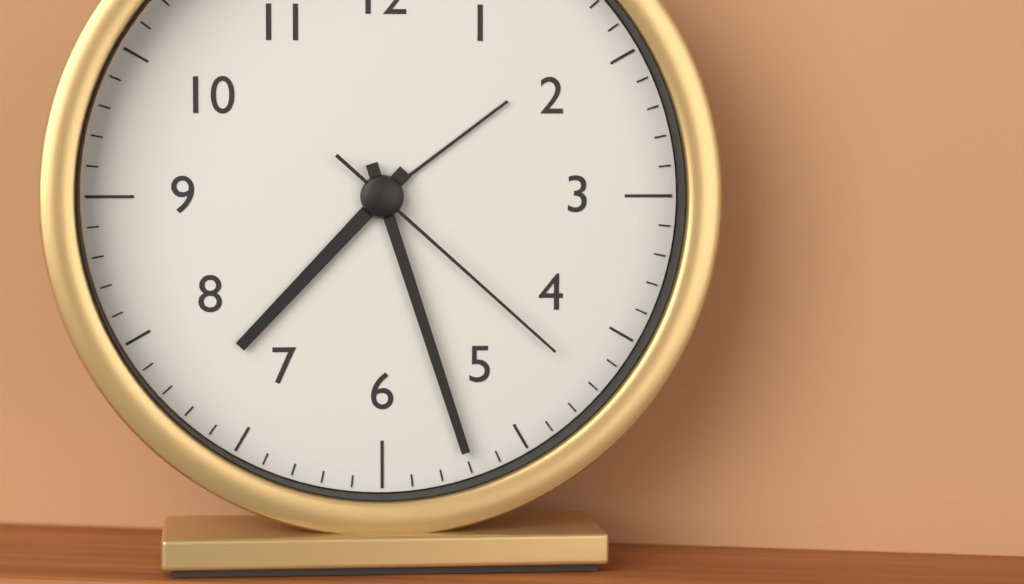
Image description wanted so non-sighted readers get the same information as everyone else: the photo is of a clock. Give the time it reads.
7:27:22
